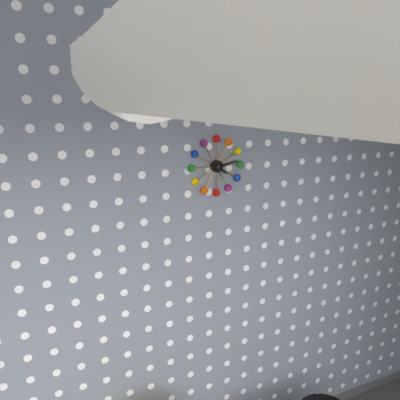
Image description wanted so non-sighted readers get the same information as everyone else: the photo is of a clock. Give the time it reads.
4:13
